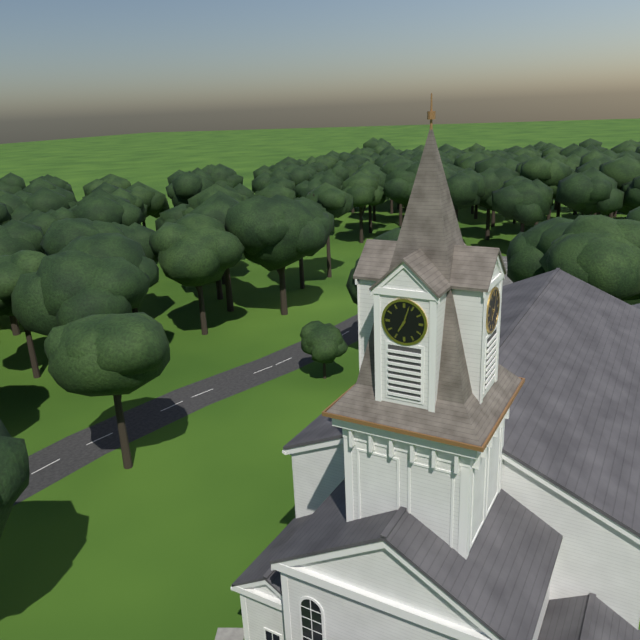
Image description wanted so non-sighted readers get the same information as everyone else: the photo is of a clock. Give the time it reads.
7:03
